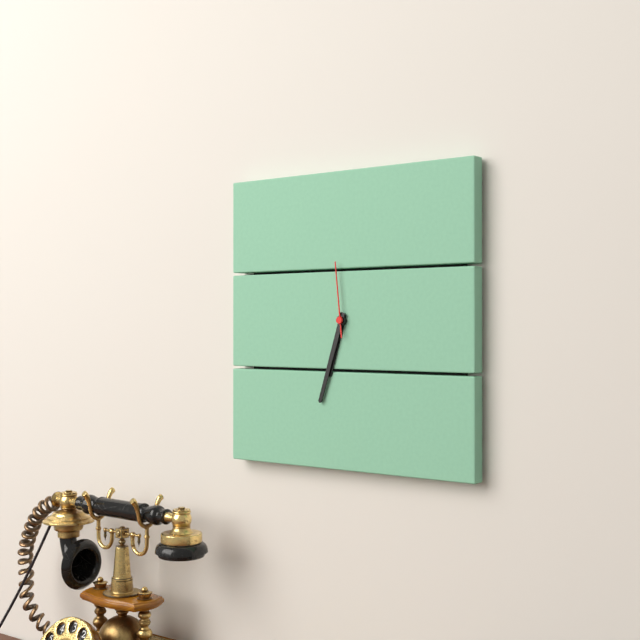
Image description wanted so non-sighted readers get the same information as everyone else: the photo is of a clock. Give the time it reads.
6:33:59
